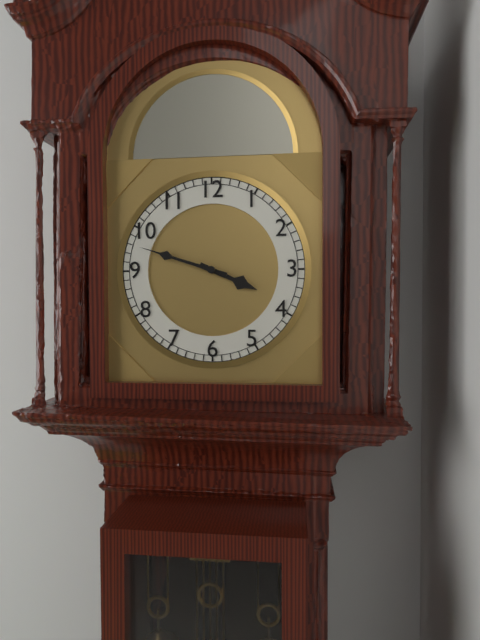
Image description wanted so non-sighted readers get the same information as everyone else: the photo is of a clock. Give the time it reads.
3:48
